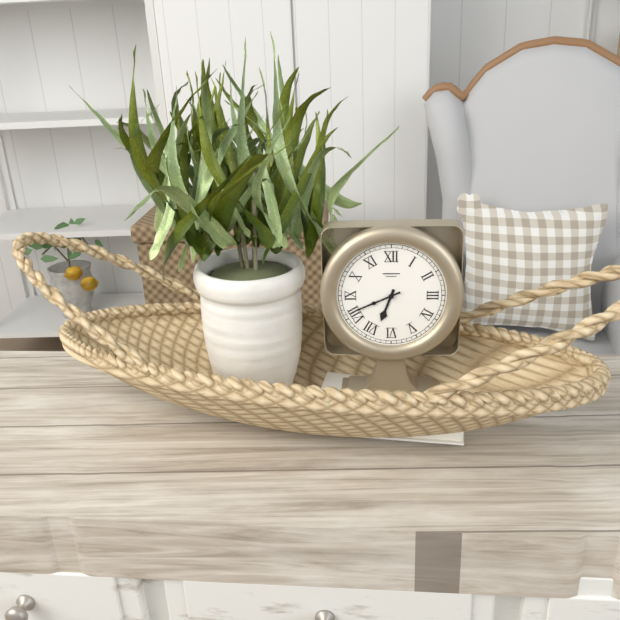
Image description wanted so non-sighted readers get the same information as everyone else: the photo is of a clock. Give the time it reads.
6:41
